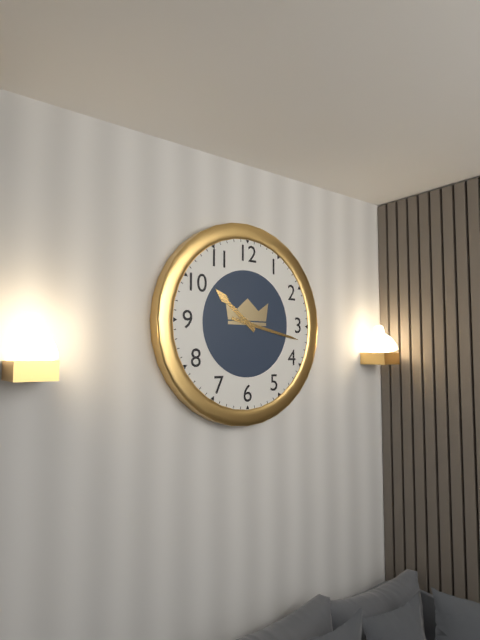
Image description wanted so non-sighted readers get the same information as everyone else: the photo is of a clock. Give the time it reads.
10:17
